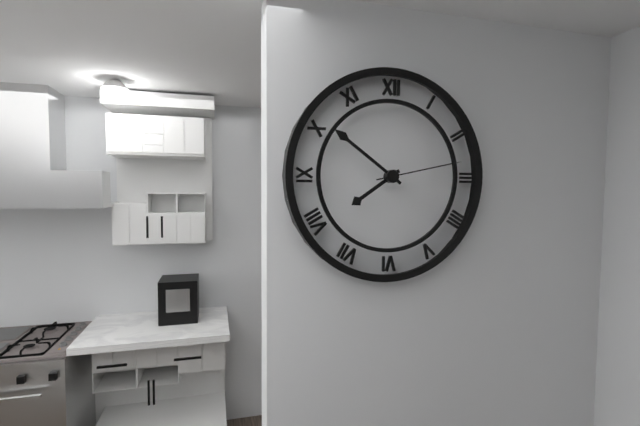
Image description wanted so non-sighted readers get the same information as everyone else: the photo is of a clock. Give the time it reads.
7:51:13
